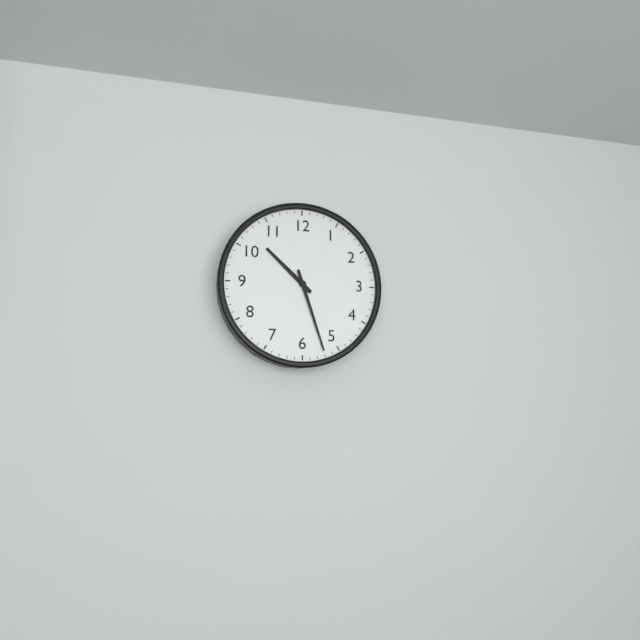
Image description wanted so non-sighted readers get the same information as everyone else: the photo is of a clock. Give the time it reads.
10:27
